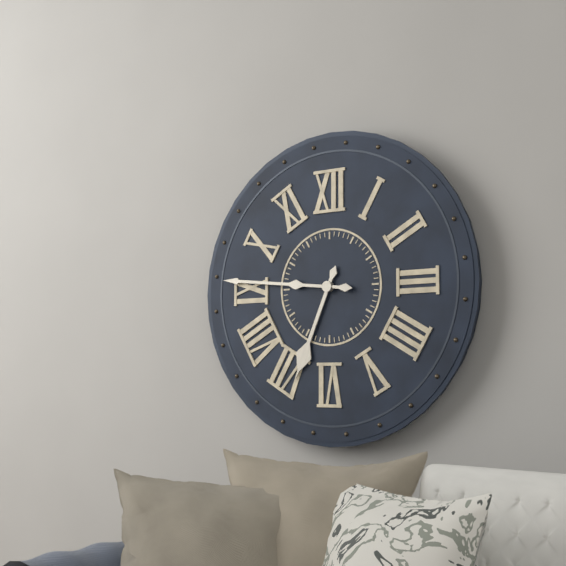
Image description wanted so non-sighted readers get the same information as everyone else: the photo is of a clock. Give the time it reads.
6:46
